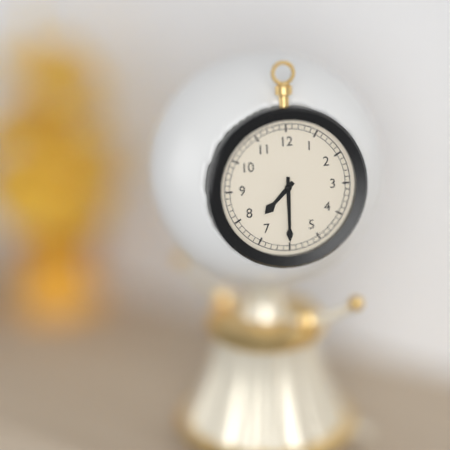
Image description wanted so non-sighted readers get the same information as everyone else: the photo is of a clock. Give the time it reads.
7:30
